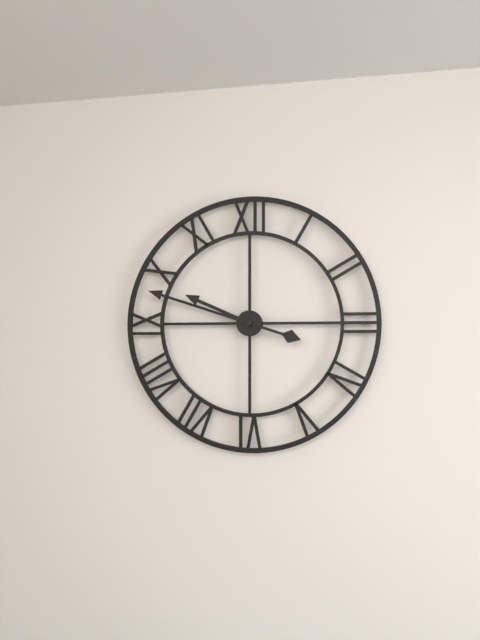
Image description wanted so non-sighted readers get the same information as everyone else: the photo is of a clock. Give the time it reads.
9:48
